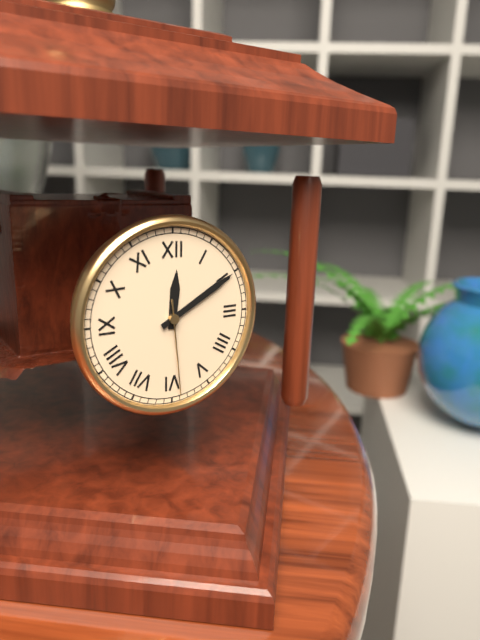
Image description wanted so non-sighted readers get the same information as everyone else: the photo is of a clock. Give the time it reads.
12:10:29
